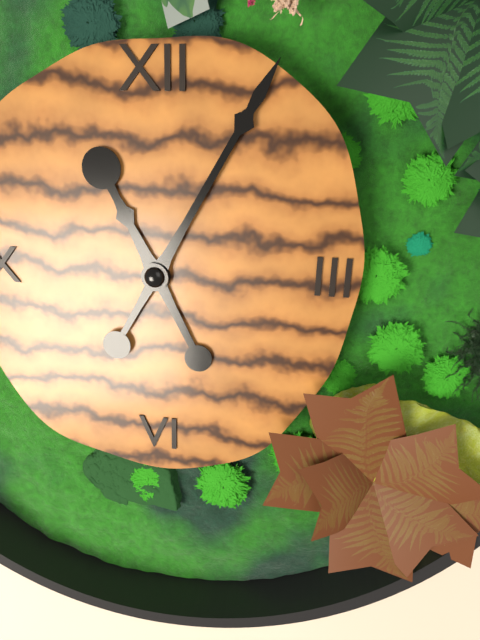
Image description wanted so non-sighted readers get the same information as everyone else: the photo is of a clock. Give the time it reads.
11:05
